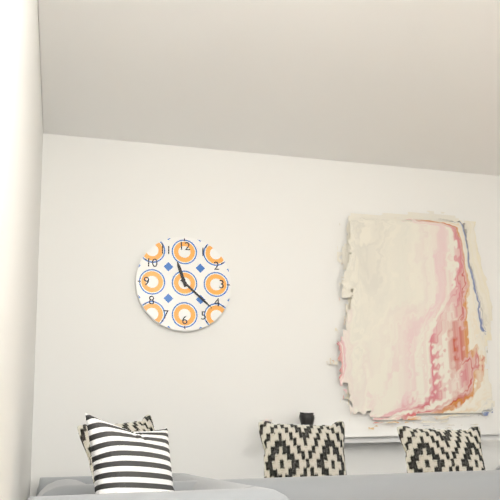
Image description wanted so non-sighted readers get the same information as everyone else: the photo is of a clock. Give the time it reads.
11:22
